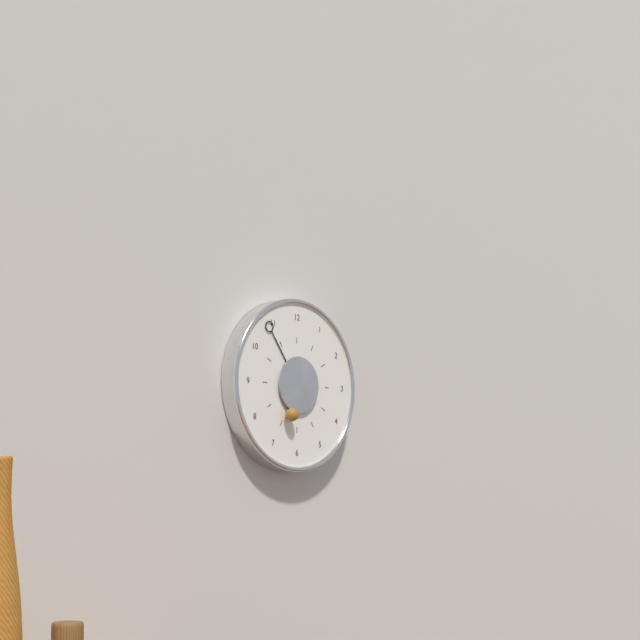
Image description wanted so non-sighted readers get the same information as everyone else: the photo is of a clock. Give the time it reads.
6:54
